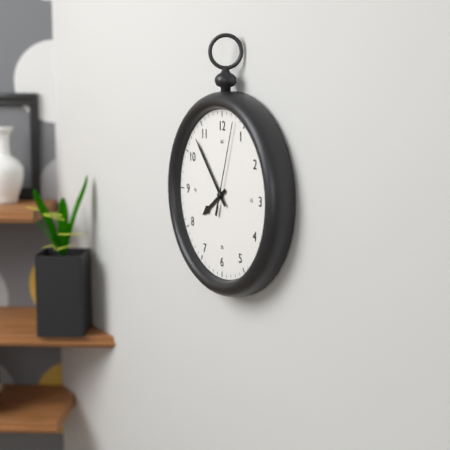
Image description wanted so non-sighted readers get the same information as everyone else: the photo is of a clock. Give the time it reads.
7:53:03
